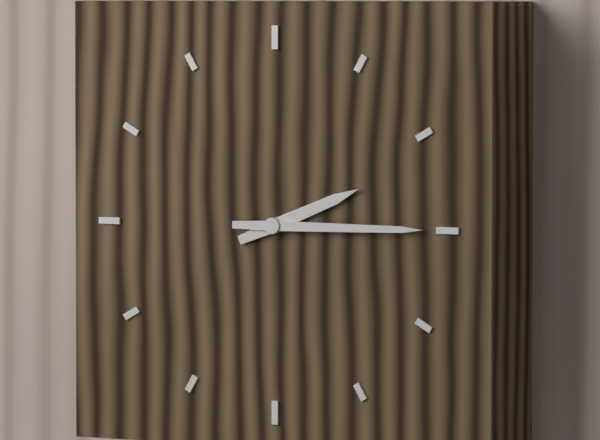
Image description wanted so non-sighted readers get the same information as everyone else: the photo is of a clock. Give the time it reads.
2:15
